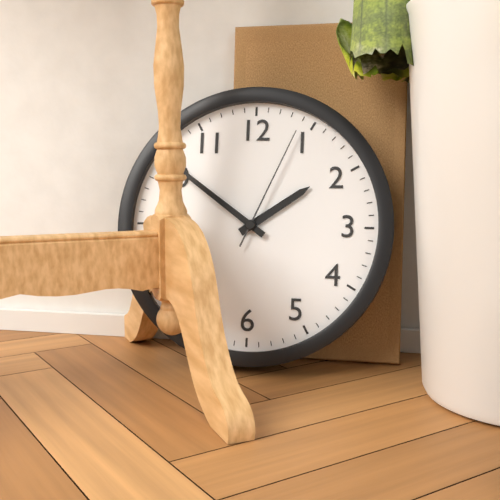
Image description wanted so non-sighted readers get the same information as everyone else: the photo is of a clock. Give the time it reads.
1:51:04
